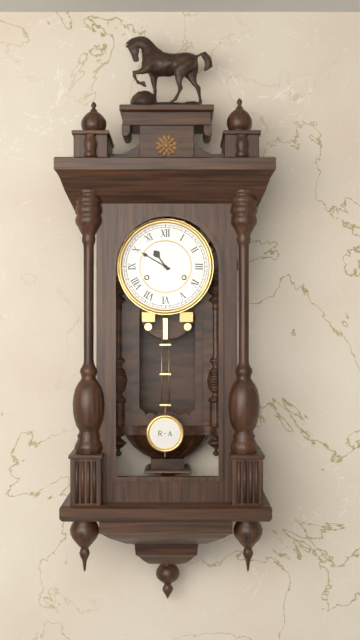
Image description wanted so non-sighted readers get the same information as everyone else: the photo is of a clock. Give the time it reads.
10:50
